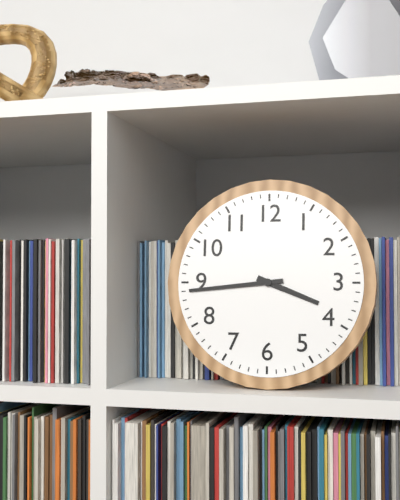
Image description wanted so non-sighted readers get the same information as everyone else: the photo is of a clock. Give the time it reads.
3:44
